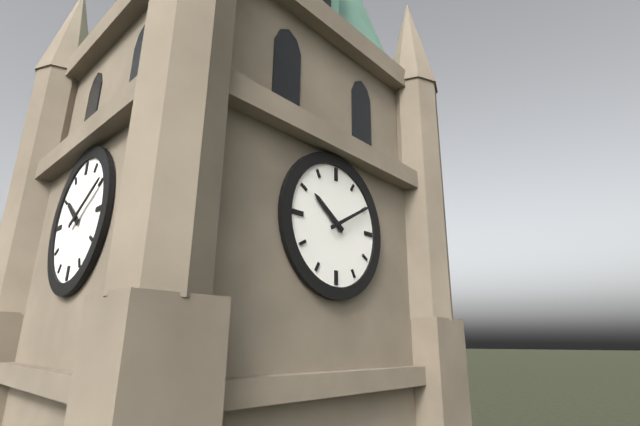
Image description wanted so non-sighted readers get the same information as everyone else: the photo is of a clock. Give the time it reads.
10:10
